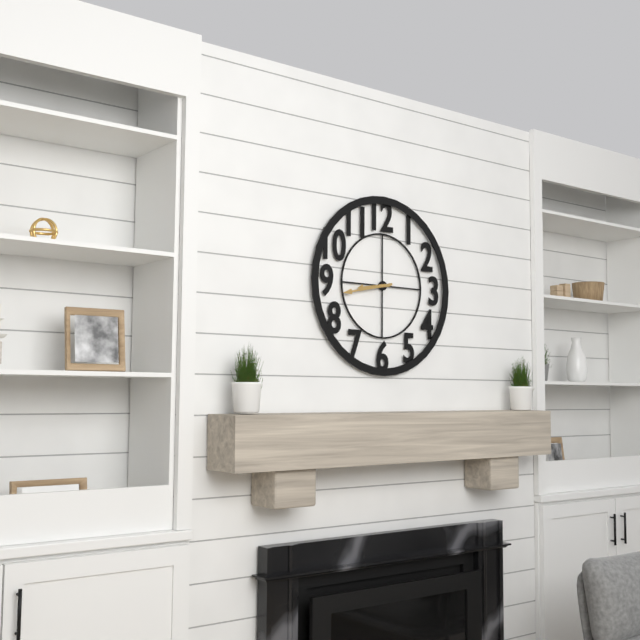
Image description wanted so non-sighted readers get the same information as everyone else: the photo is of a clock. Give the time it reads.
8:43
